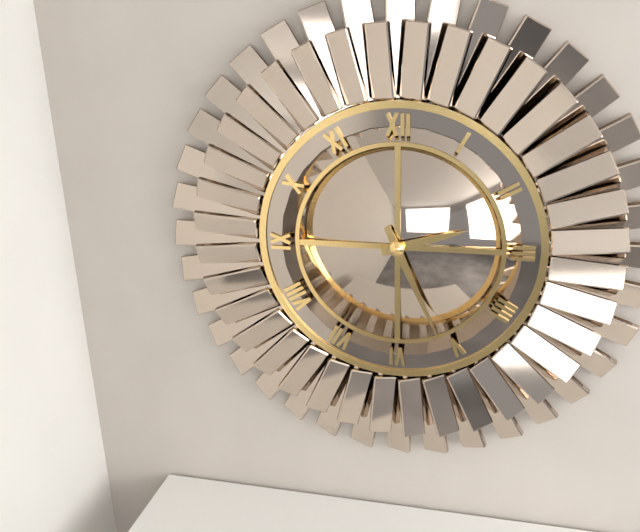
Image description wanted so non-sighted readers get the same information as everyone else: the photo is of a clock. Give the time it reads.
2:26
